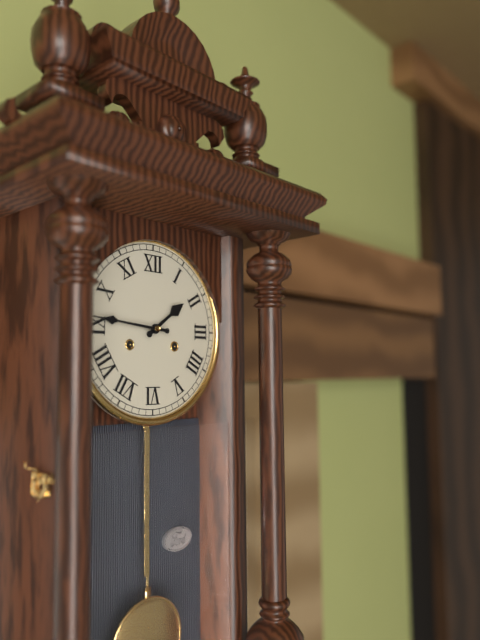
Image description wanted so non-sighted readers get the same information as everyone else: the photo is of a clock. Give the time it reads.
1:46
